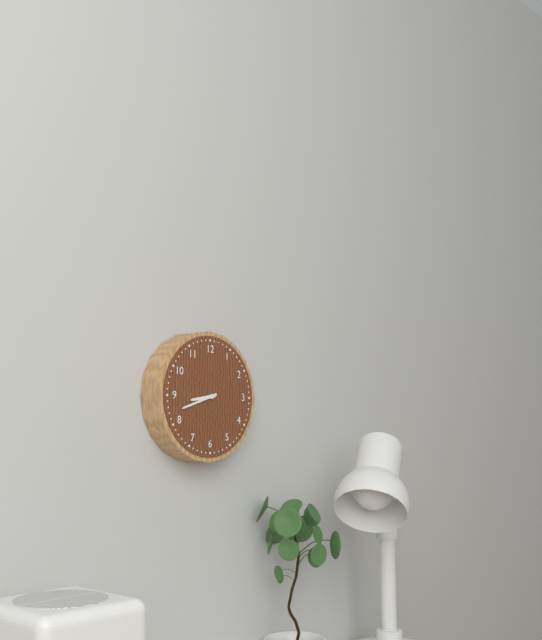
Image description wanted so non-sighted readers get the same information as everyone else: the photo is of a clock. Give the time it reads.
8:42
